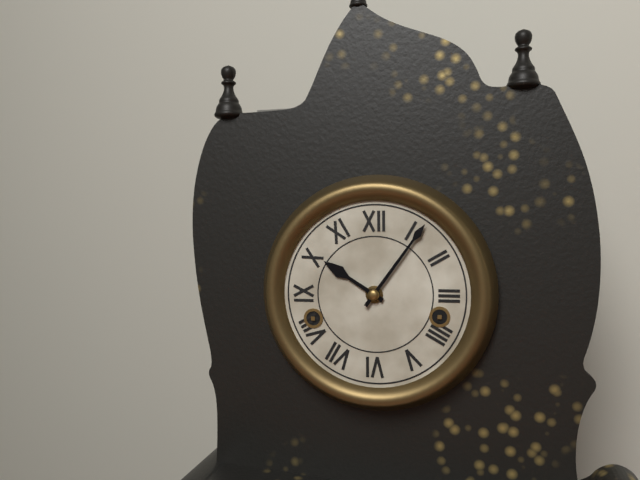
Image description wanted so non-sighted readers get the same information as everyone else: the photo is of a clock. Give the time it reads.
10:06
